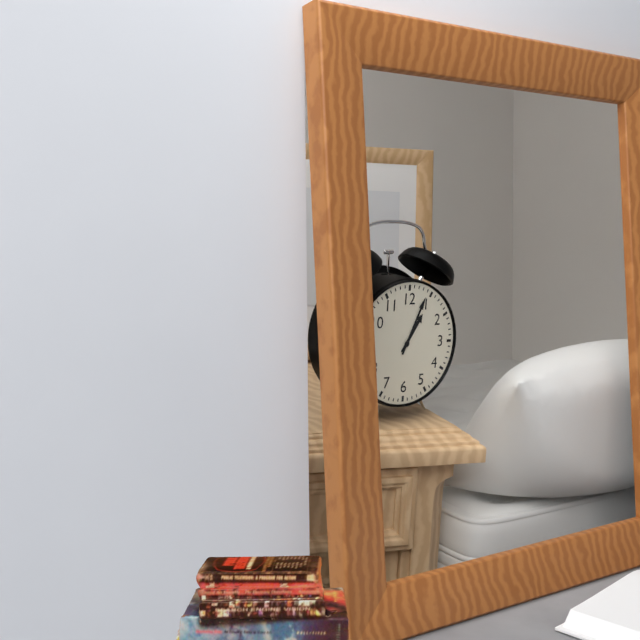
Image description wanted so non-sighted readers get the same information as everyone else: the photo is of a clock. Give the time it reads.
1:04
